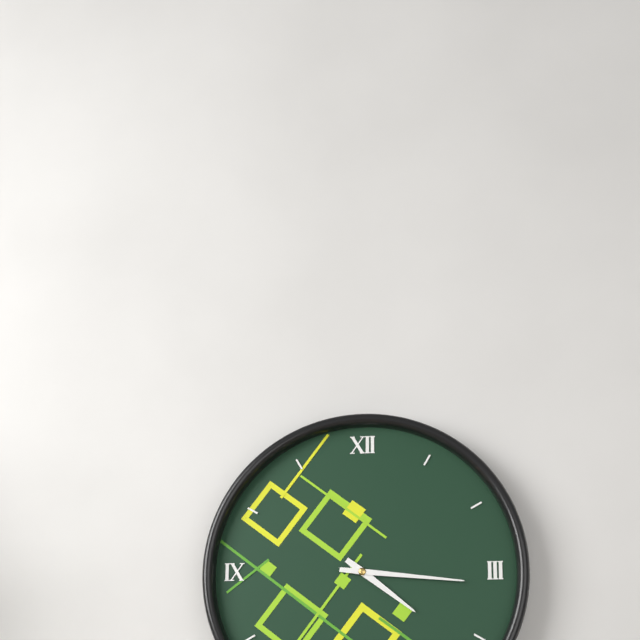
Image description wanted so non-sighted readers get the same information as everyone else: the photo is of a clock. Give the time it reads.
4:16
